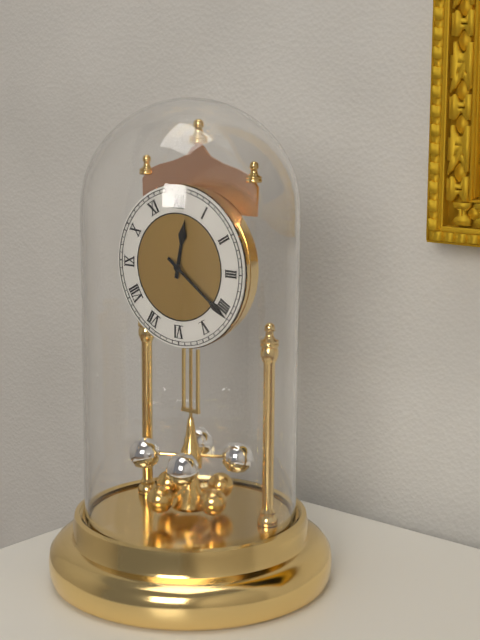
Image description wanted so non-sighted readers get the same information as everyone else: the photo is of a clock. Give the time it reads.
12:21
